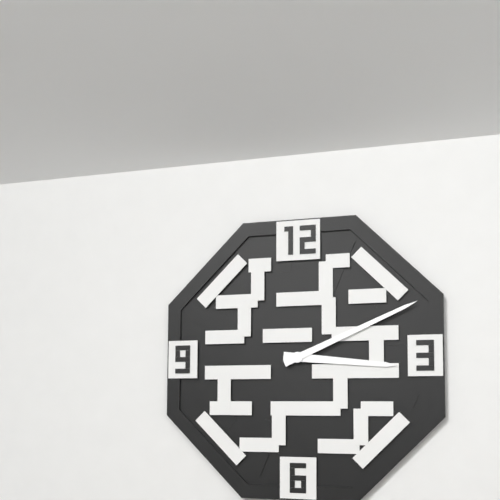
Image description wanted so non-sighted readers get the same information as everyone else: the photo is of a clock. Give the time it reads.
3:11
